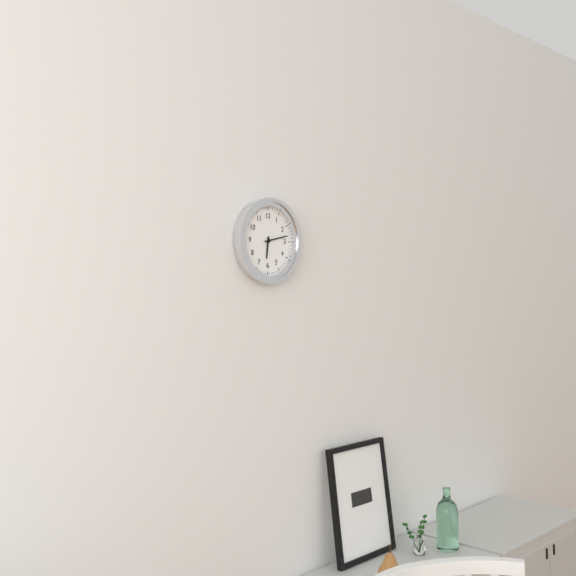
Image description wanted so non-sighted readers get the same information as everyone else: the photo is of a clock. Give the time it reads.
6:13
